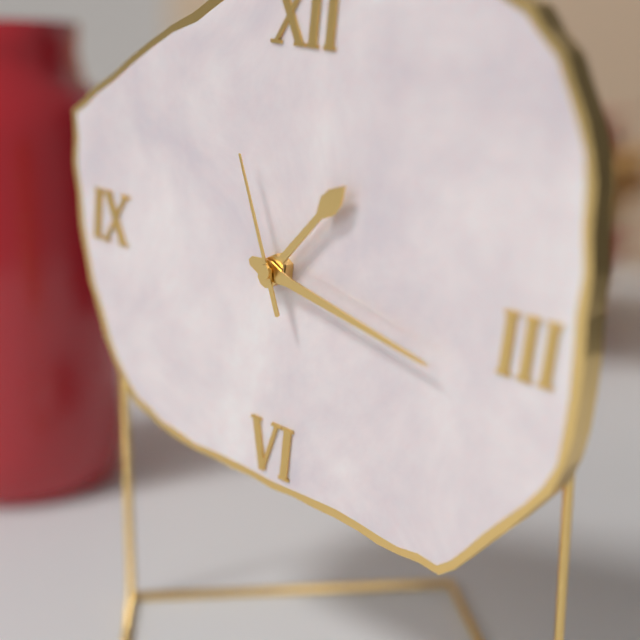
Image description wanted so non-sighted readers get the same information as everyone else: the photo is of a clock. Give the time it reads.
1:17:56
